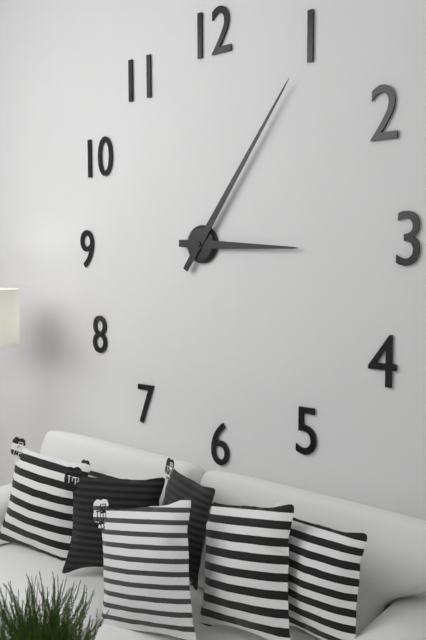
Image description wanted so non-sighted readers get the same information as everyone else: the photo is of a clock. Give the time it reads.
3:06
